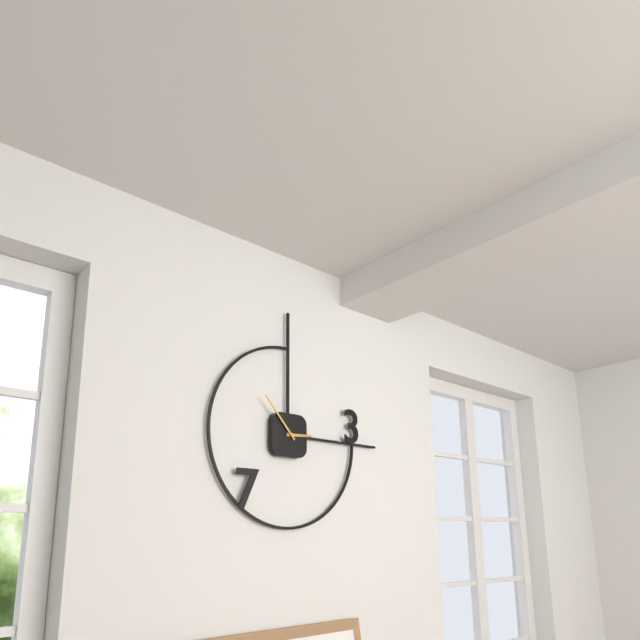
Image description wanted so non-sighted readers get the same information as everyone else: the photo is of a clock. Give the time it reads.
2:53
